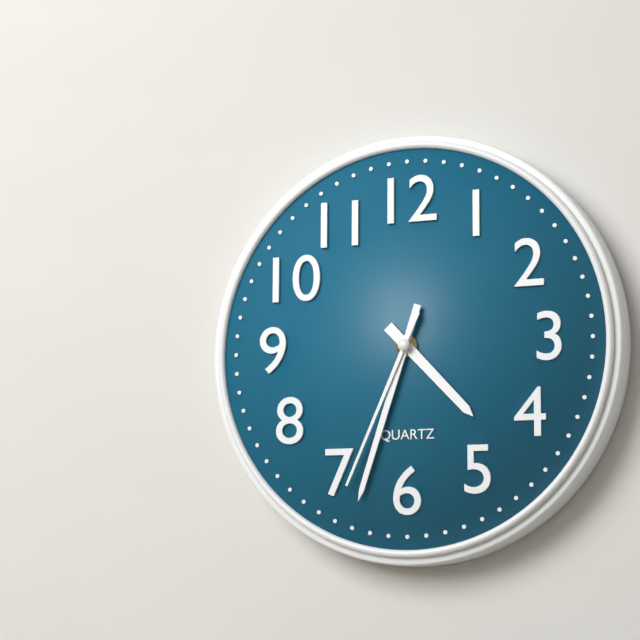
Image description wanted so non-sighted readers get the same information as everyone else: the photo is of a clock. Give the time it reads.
4:33:34
